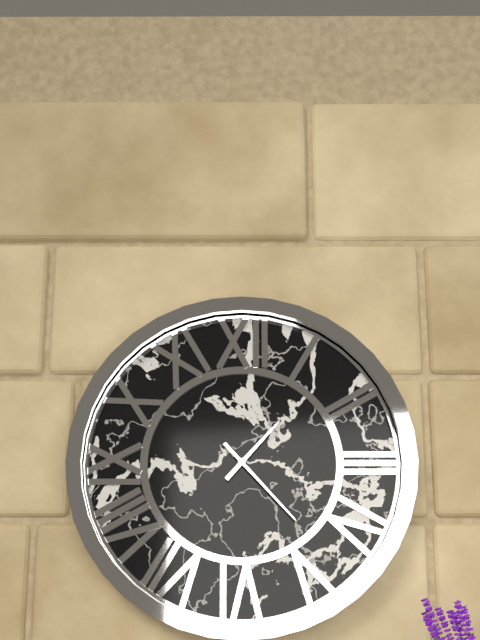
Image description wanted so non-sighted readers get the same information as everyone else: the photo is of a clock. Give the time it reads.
1:23
